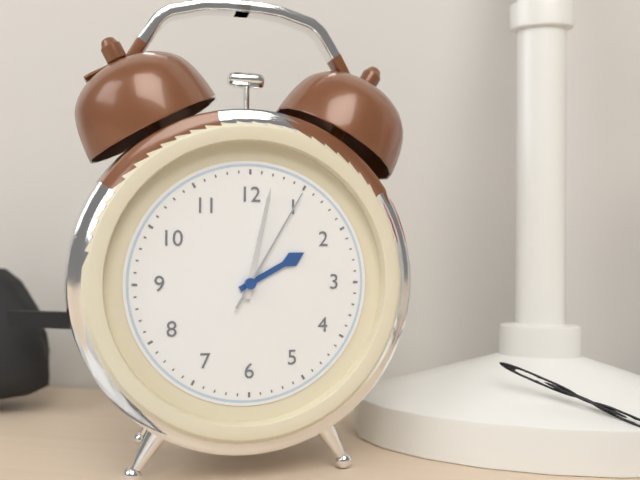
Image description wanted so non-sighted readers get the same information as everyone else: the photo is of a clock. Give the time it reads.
2:02:05
